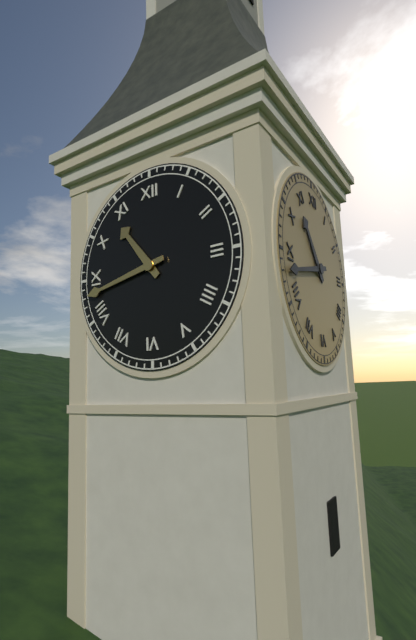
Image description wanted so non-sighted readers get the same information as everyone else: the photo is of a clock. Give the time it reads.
10:43
